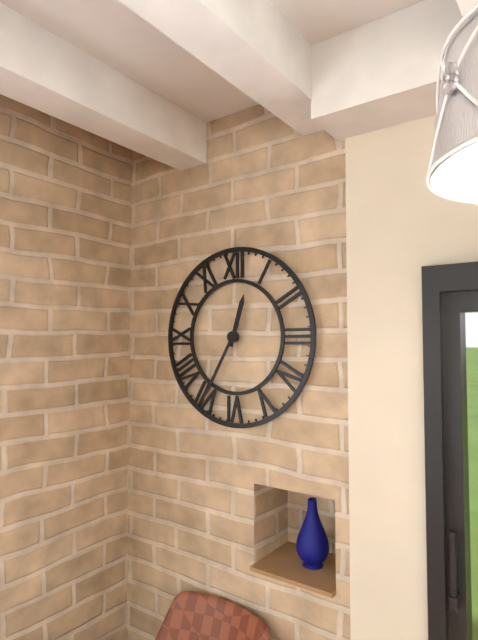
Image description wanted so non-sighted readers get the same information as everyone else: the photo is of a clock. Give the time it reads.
12:35
